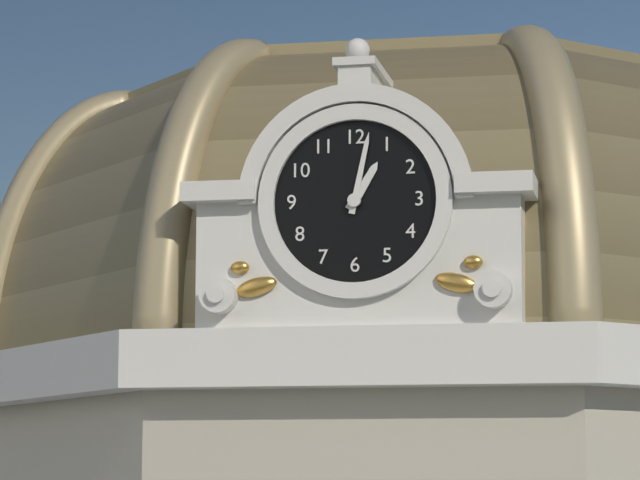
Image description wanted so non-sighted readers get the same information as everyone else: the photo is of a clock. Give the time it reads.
1:02
